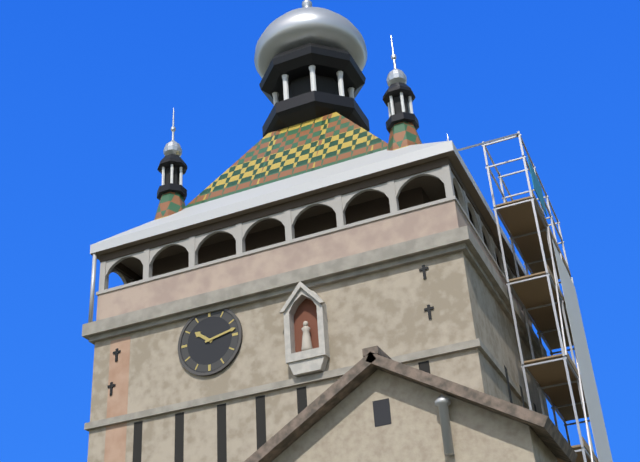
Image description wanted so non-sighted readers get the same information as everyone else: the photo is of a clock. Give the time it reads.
10:13
